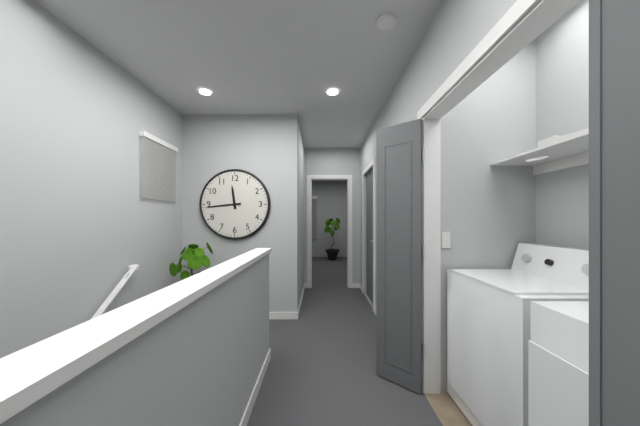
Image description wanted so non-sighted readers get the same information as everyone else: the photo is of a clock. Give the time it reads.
11:44
